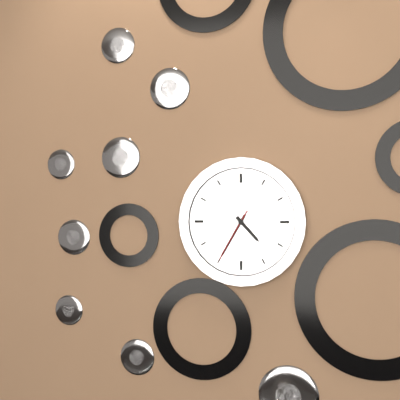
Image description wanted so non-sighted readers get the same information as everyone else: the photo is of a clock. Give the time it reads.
4:35:35
